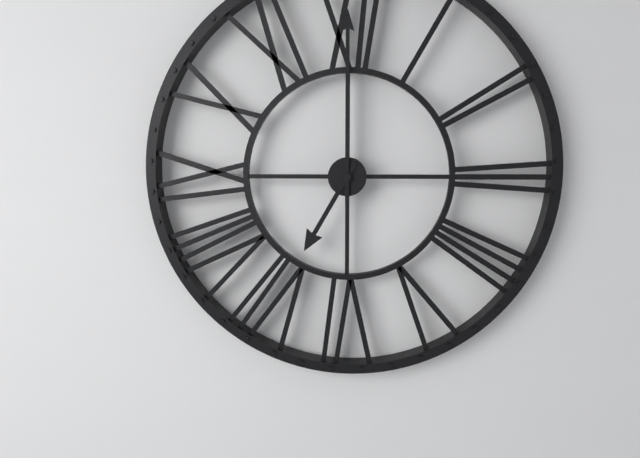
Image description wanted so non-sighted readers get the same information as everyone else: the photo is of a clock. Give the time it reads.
7:00
